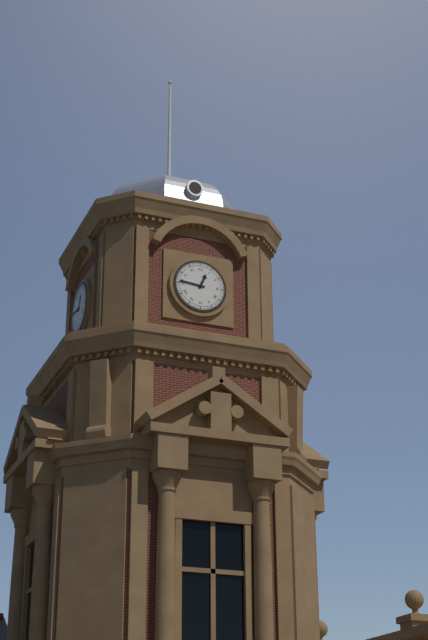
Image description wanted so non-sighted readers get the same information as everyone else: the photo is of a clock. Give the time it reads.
12:46
